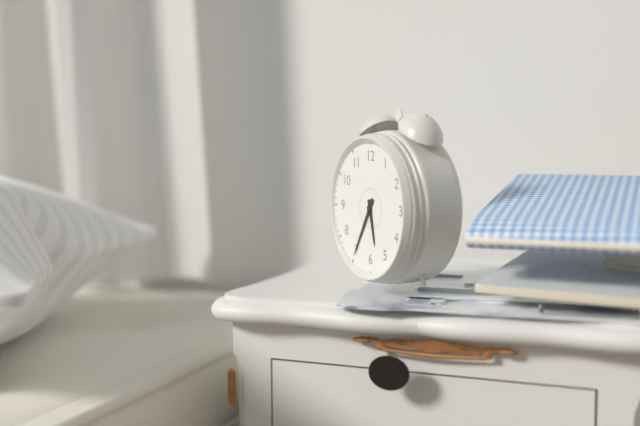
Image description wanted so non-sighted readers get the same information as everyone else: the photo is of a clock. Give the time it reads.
5:35
